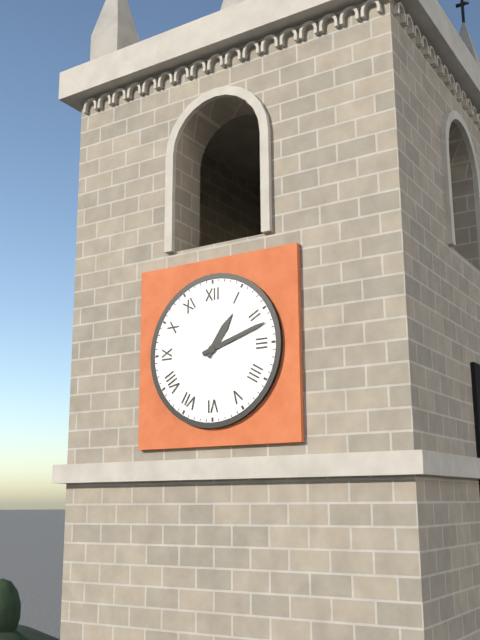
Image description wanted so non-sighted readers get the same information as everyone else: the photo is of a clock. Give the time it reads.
1:12
